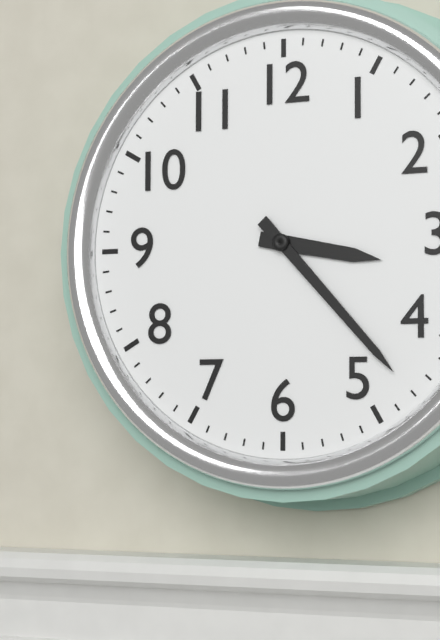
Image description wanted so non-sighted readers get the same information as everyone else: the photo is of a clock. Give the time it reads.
3:23
